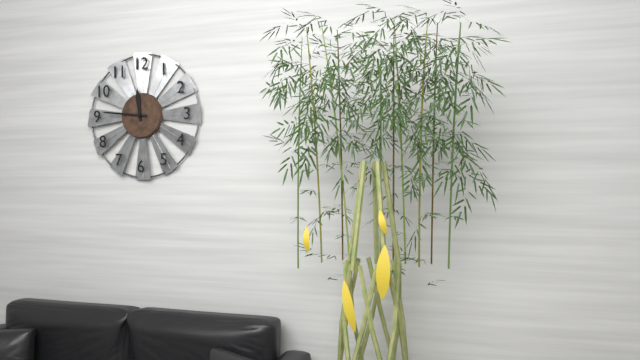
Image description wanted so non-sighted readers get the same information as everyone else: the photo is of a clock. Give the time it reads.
11:46
